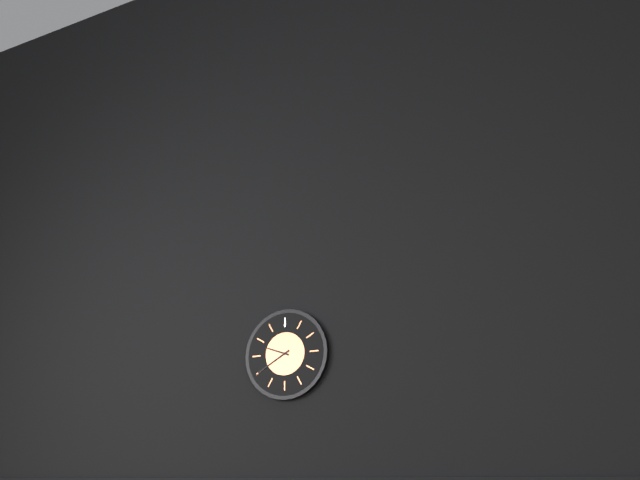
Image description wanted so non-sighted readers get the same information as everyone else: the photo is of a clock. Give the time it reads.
9:40
